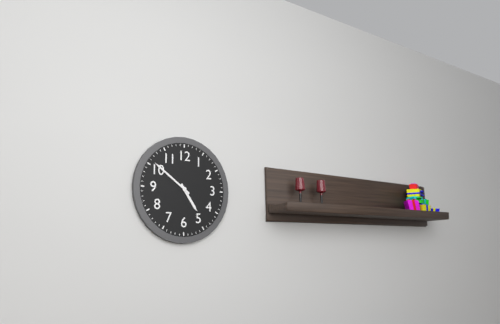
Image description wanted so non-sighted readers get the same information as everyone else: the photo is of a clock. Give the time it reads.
4:51
